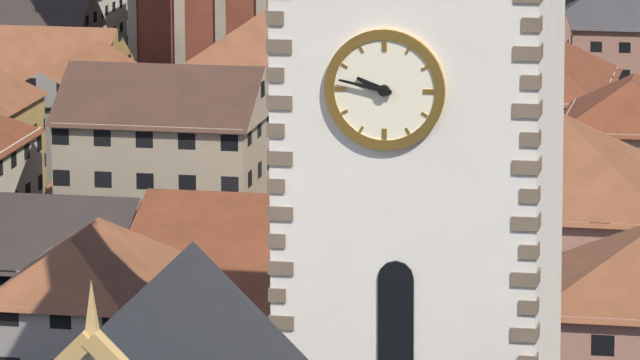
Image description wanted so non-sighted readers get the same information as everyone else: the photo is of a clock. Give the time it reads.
9:47
